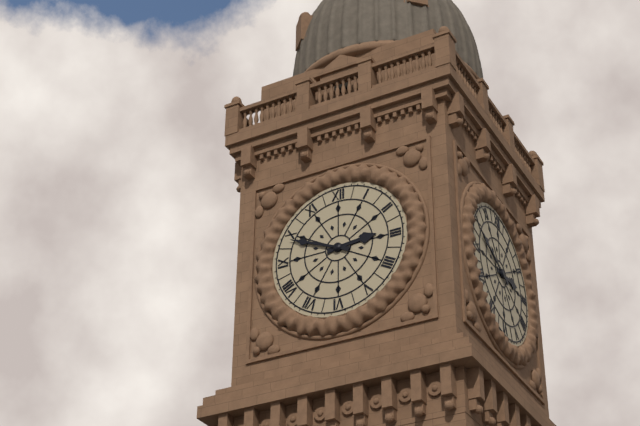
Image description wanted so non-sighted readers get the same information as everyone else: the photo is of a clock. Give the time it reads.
2:49
